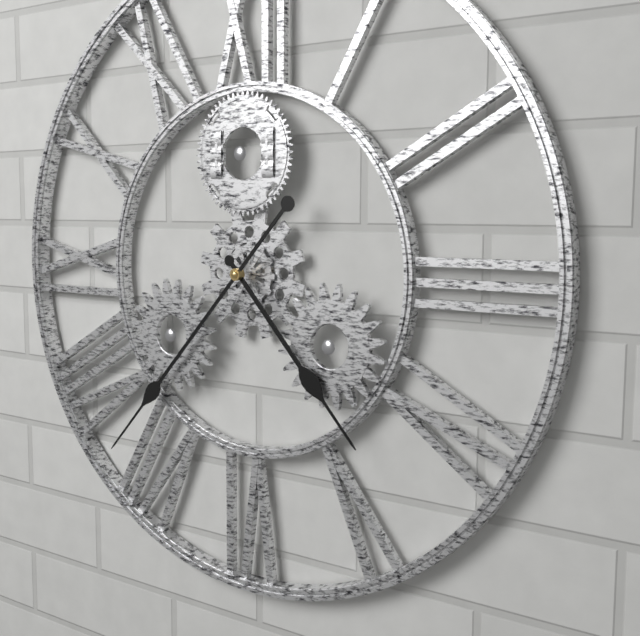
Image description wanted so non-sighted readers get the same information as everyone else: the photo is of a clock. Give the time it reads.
4:37
